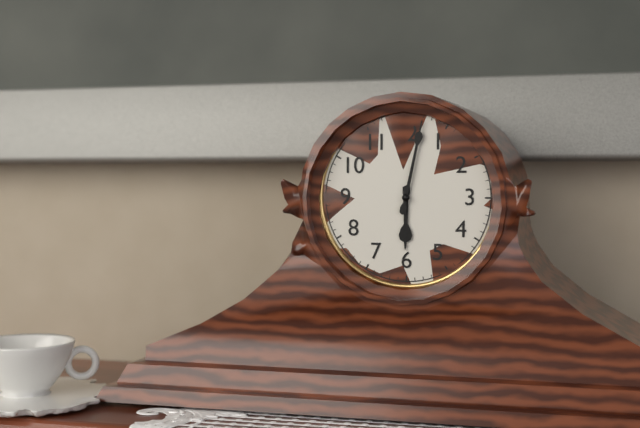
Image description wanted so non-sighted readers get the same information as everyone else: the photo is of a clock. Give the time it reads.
6:02
